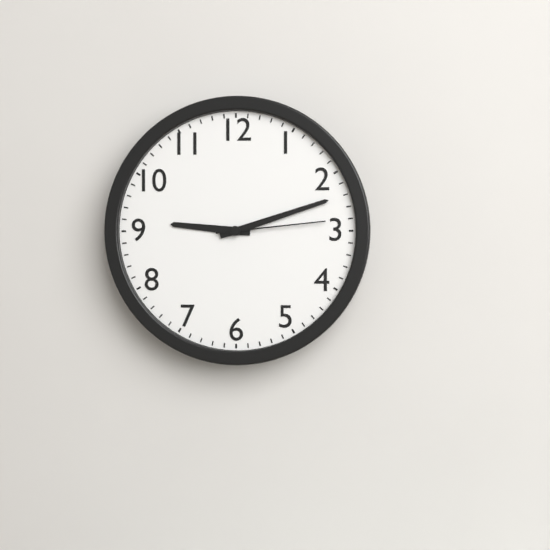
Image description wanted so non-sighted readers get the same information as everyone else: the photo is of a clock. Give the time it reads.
9:12:14
